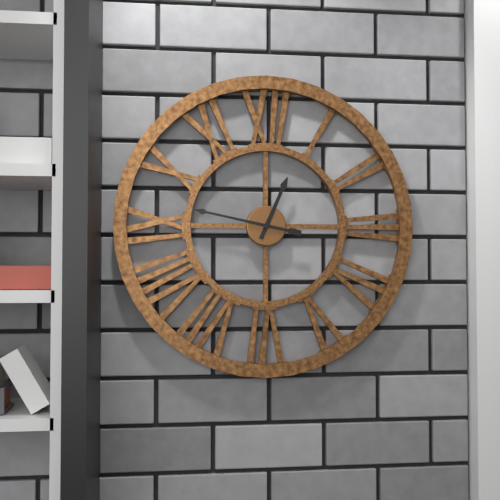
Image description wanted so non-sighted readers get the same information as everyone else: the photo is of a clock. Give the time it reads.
12:47
